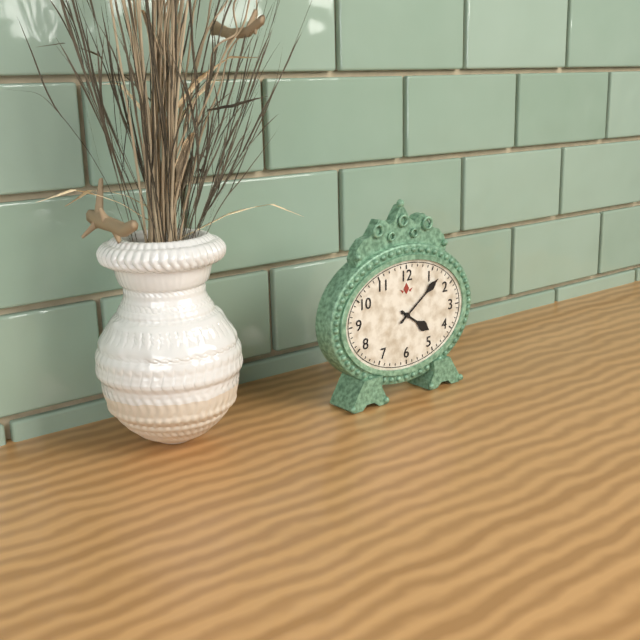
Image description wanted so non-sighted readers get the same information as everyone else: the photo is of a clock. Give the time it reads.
4:09
